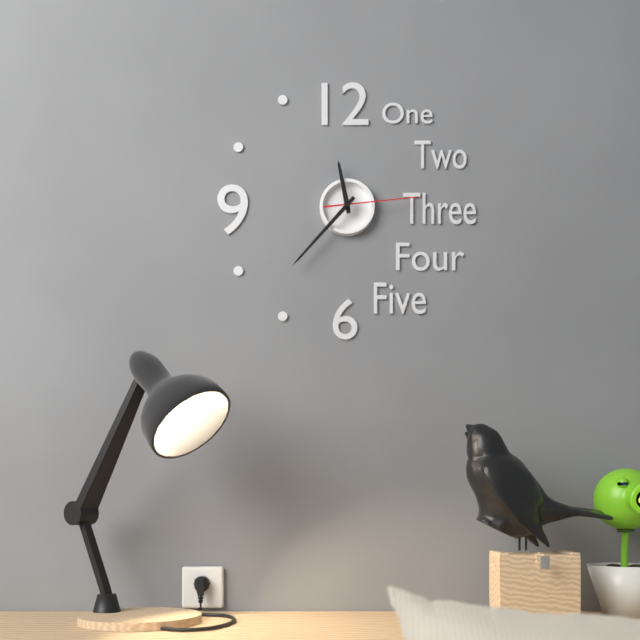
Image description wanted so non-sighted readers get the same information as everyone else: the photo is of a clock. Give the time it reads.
11:37:14
